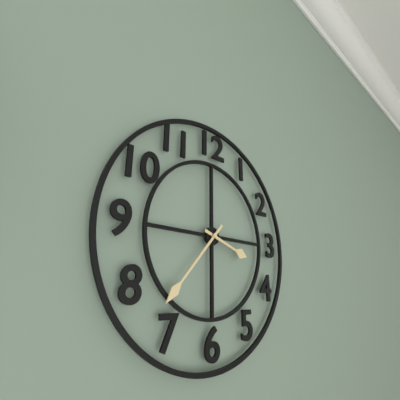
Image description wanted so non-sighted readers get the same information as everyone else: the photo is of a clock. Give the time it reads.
3:37
